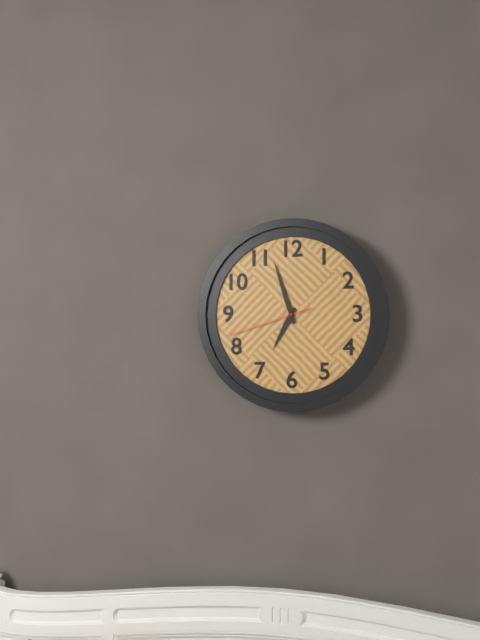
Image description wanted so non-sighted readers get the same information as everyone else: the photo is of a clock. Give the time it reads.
6:57:42
